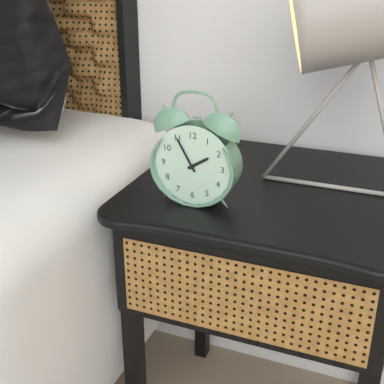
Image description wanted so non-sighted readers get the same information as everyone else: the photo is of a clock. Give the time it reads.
1:55
